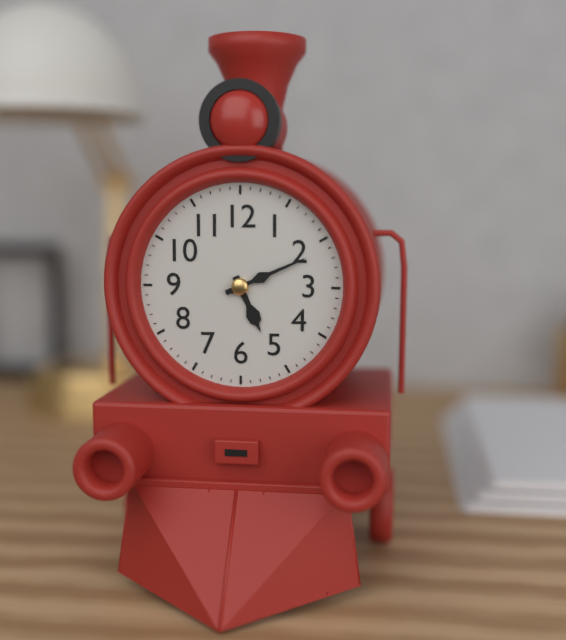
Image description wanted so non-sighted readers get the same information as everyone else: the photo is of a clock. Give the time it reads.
5:11
